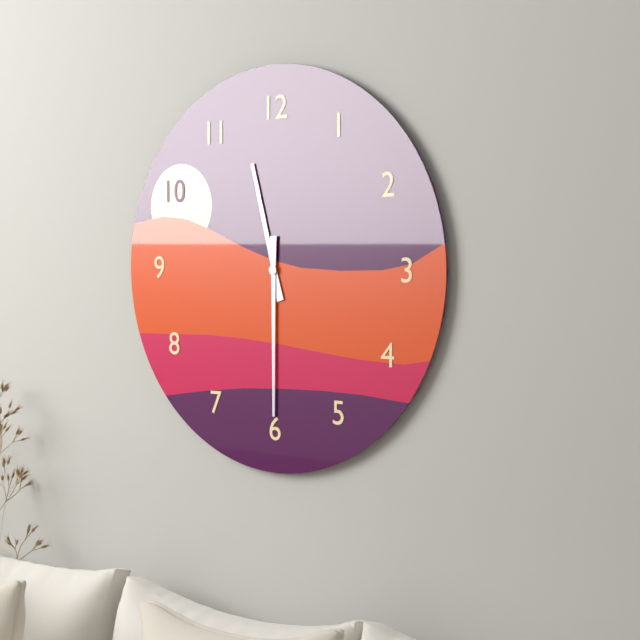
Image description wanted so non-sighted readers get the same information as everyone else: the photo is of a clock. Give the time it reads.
11:30
